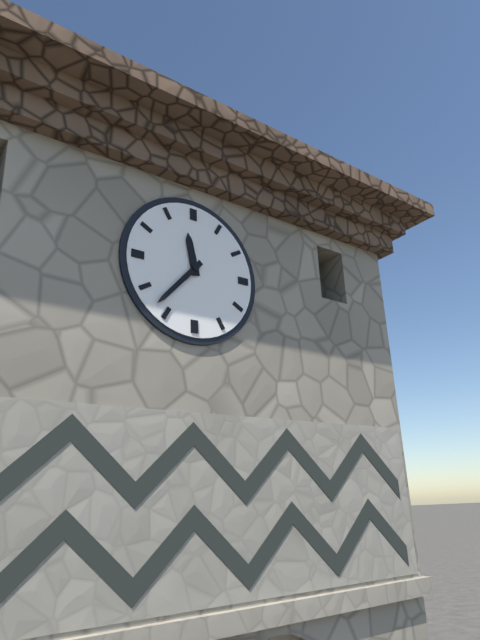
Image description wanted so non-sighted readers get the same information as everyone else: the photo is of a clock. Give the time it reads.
11:37
